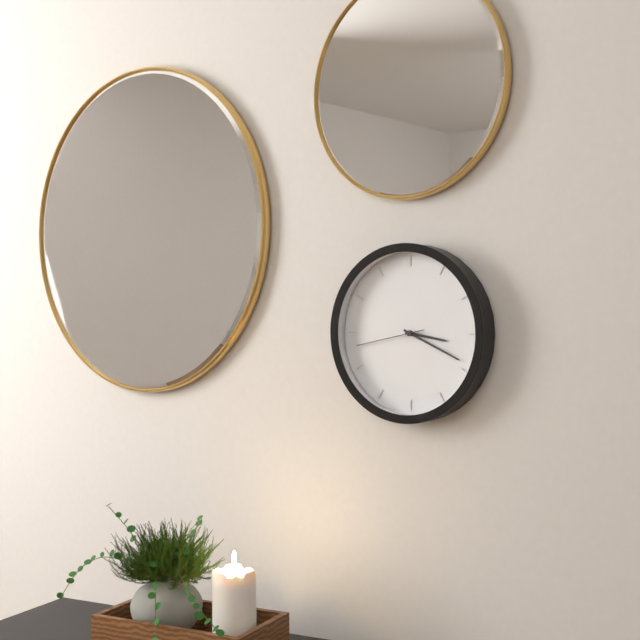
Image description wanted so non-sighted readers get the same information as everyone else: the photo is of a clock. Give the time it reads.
3:19:43
